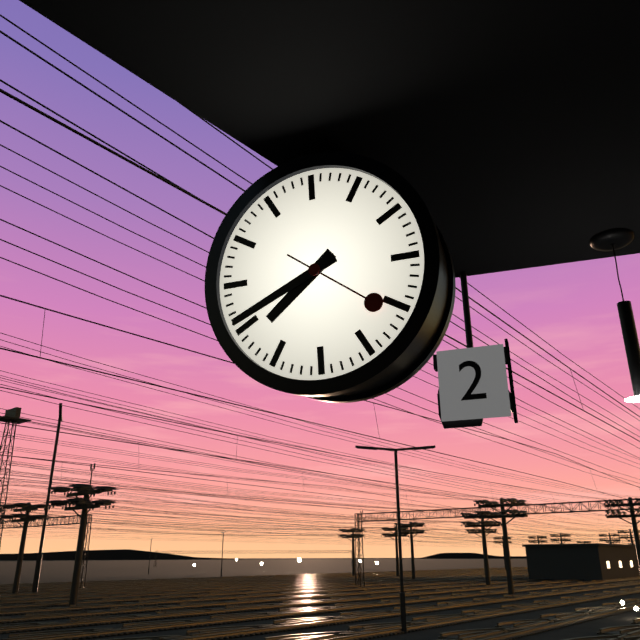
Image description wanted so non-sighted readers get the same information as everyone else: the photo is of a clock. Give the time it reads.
7:41:21
